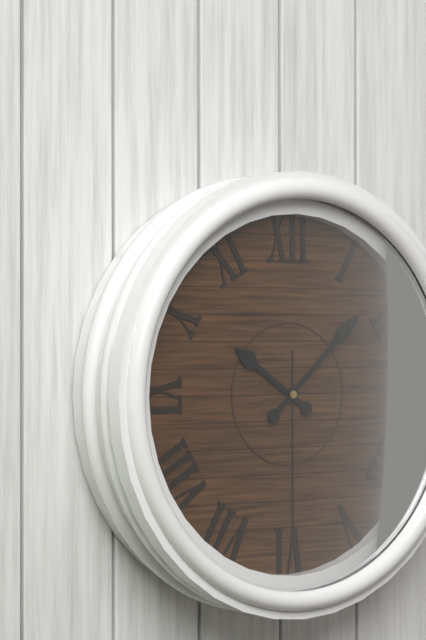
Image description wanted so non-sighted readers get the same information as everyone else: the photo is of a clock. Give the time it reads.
10:08:30
